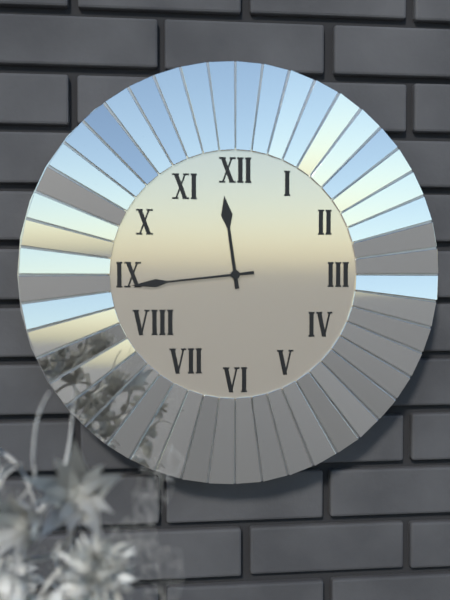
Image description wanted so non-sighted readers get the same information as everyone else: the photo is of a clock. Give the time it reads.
11:44
